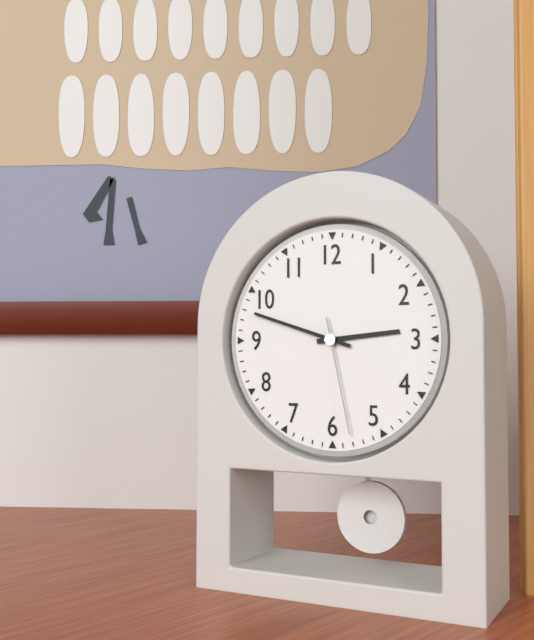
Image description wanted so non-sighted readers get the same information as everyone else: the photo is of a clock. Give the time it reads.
2:48:28
